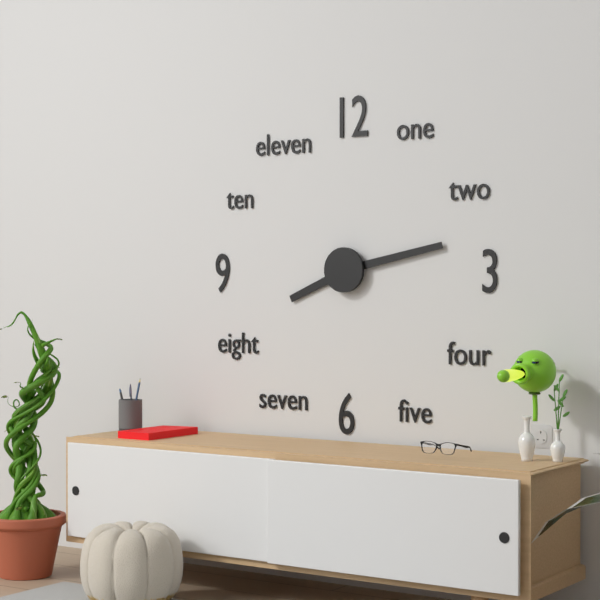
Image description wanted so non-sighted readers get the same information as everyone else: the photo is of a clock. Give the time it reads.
8:13
